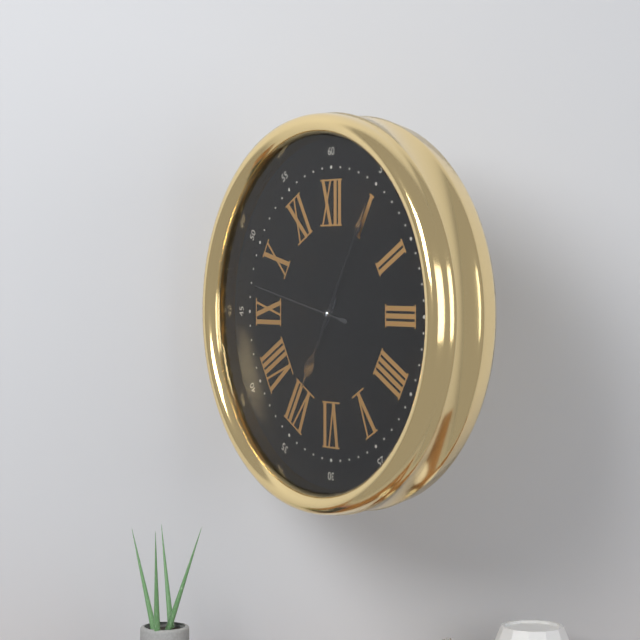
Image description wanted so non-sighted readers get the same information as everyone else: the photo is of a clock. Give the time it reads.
7:05:47
